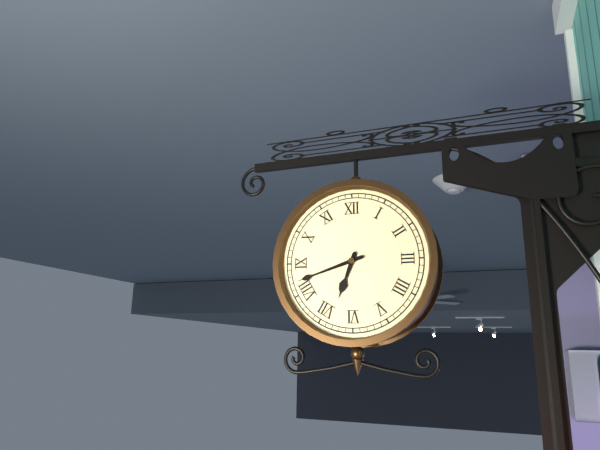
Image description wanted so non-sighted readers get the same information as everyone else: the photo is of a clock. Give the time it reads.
6:42
